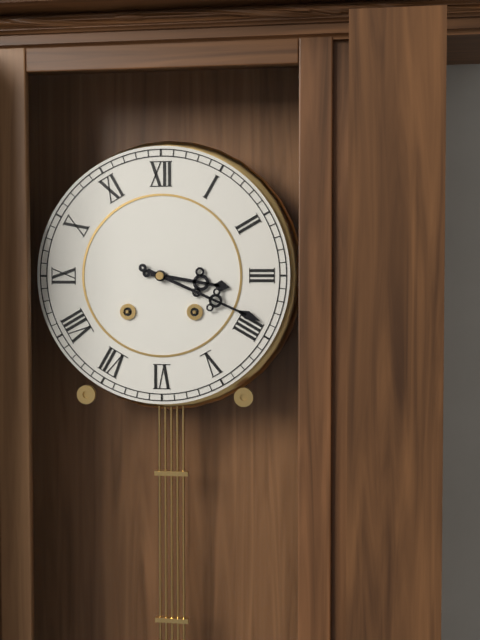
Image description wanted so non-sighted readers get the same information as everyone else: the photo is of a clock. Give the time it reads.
3:19
